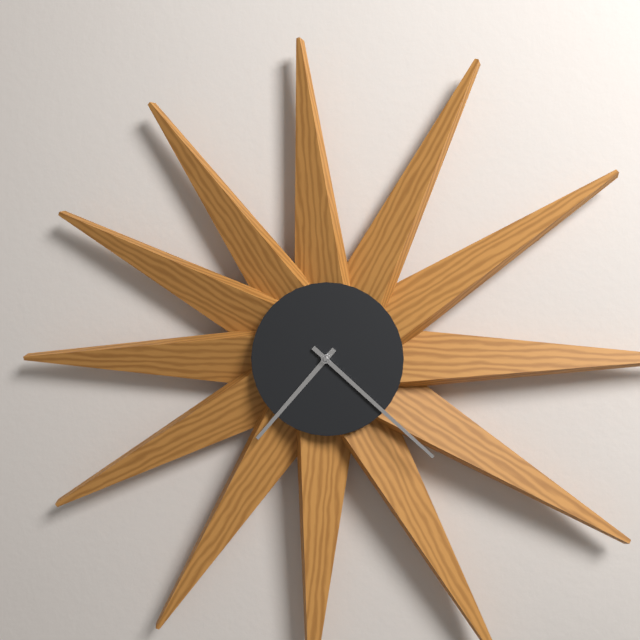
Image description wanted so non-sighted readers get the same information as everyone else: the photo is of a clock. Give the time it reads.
7:22
